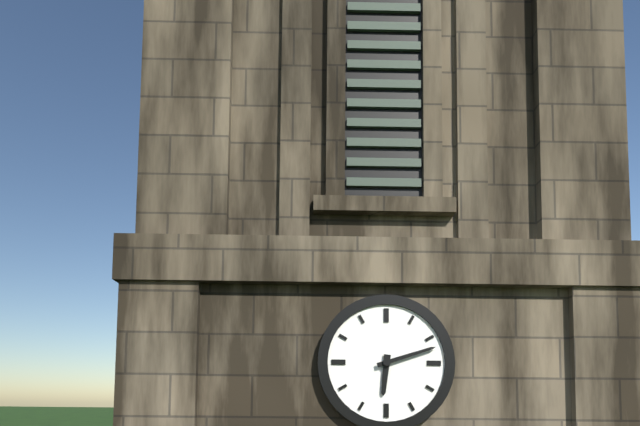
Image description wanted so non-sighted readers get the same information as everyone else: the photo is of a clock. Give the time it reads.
6:12
